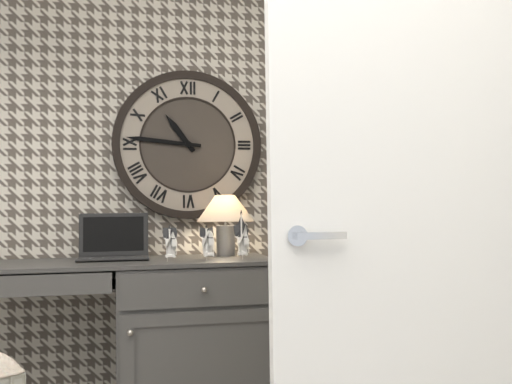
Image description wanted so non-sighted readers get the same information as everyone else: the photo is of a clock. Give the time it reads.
10:46
